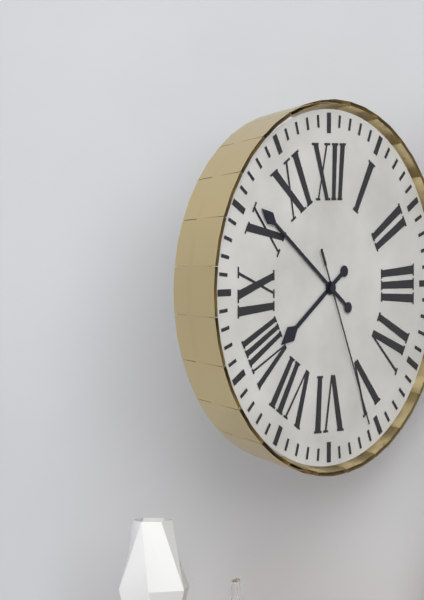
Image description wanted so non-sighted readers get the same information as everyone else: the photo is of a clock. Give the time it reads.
7:51:26
